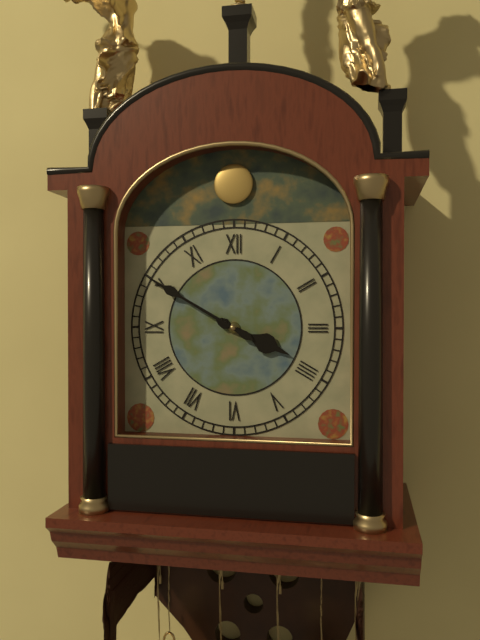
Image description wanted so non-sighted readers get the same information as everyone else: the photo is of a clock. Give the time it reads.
3:50
